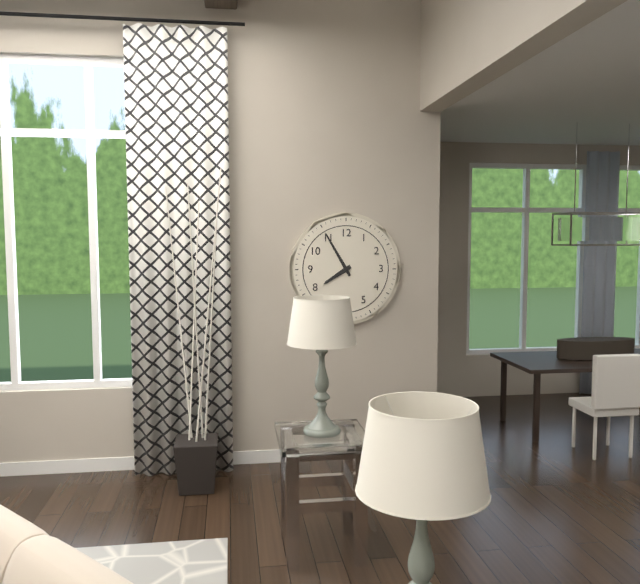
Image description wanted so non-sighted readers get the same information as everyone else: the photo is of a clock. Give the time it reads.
7:55
